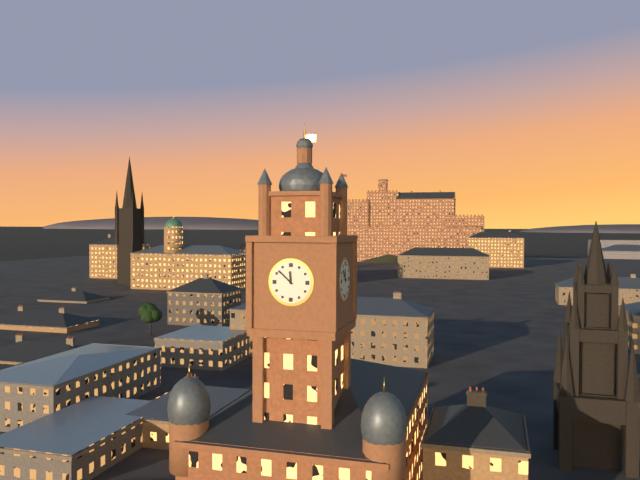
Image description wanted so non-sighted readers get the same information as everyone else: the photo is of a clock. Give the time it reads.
11:52
